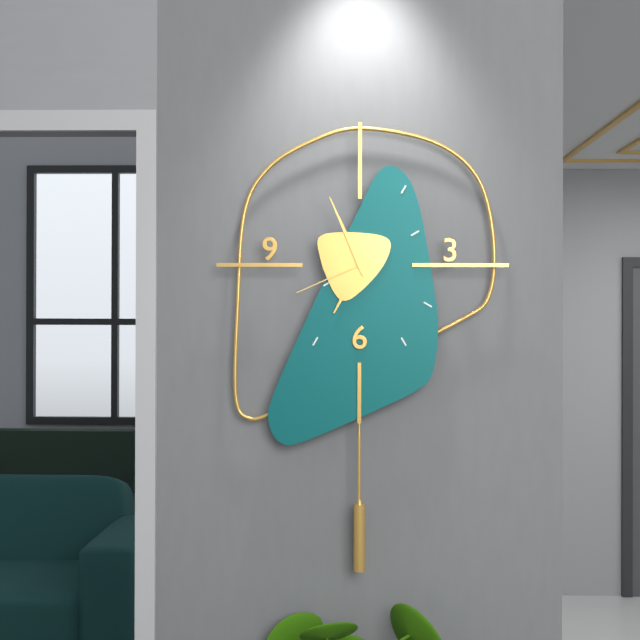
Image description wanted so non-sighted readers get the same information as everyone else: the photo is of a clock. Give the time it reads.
6:56:41
